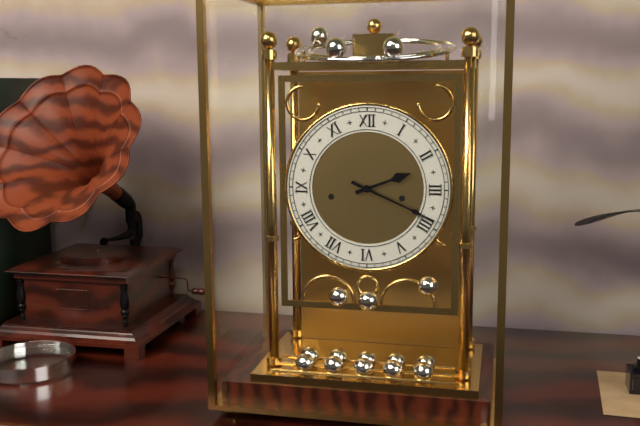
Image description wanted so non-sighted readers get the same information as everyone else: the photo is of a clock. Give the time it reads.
2:19
